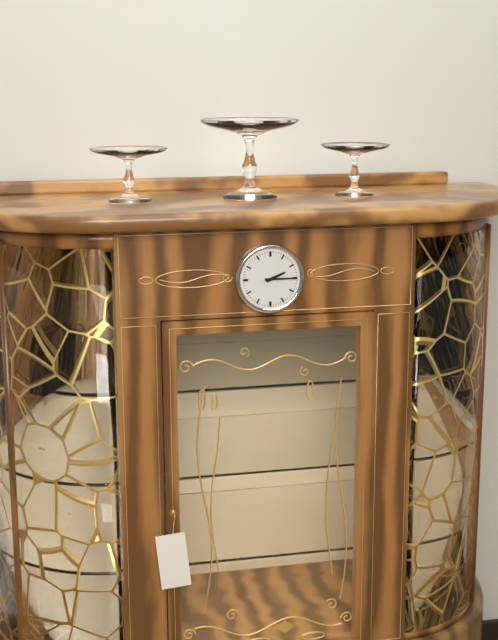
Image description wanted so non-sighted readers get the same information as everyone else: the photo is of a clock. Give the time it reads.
2:15
